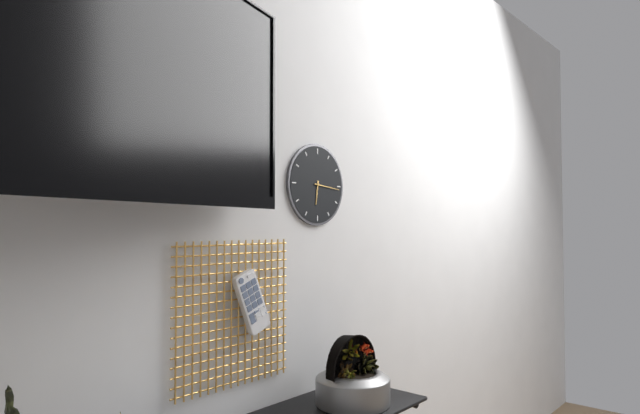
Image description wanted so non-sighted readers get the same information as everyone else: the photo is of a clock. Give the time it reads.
6:16
